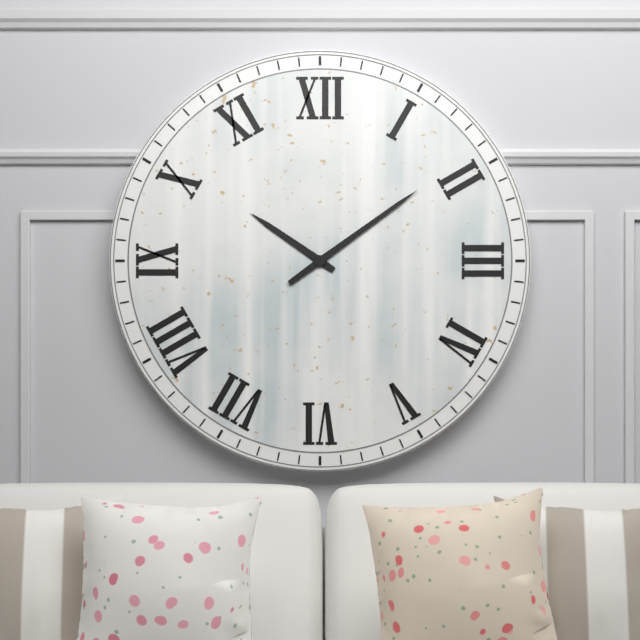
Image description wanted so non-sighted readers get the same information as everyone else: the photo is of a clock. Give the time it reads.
10:09
